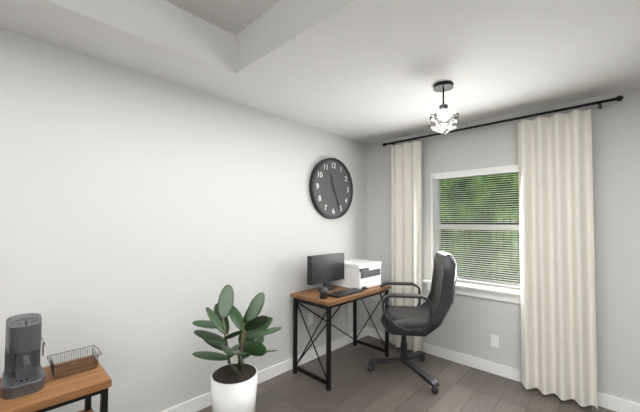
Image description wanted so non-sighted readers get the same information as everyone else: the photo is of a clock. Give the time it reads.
11:26
